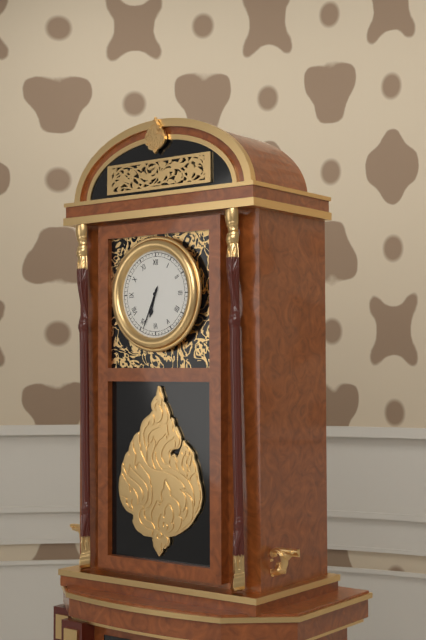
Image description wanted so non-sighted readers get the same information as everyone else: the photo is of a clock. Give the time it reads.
6:34
